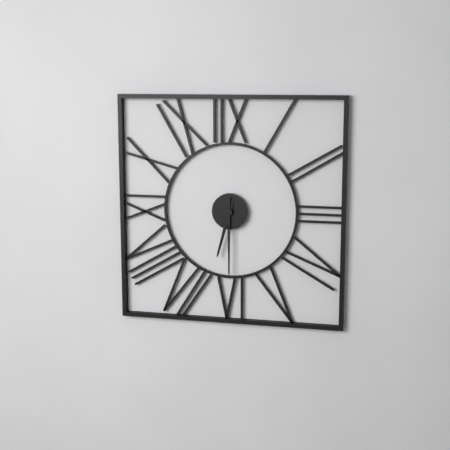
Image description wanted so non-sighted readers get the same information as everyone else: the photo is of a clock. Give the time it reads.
6:30
